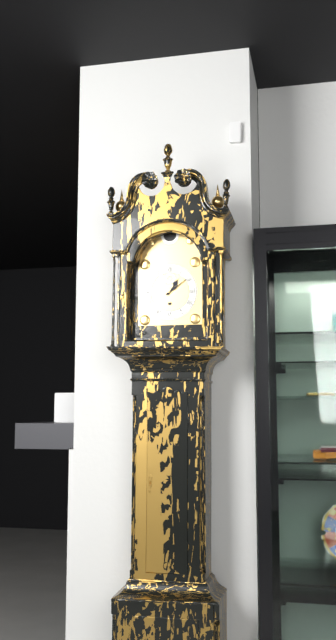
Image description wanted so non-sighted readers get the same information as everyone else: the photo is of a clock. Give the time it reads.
1:09
